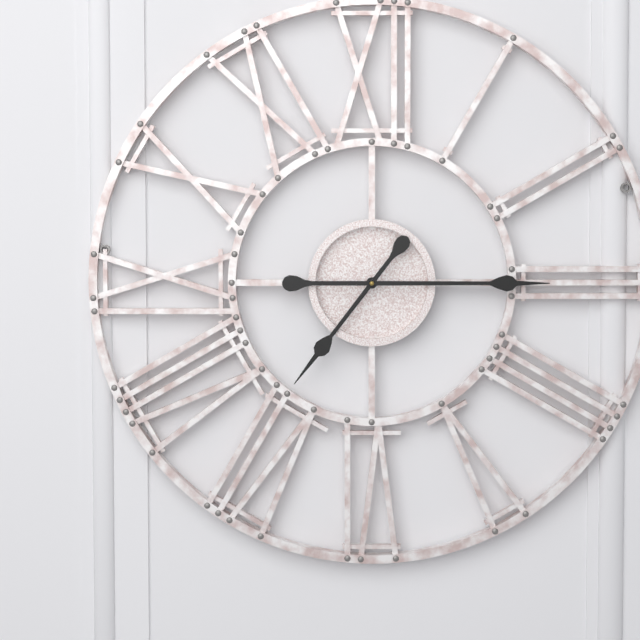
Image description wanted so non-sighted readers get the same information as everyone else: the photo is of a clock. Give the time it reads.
7:15
